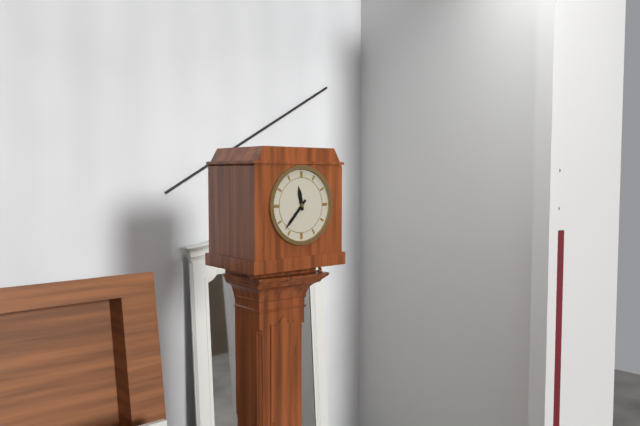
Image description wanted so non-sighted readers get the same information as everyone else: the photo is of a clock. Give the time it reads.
11:37
